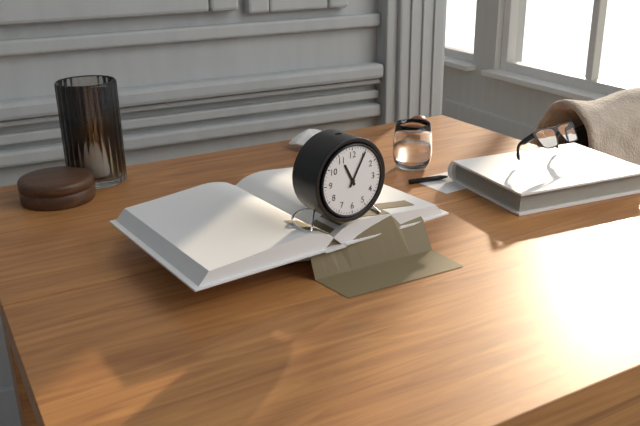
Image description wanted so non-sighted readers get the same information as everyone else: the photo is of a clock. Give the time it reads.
11:05
